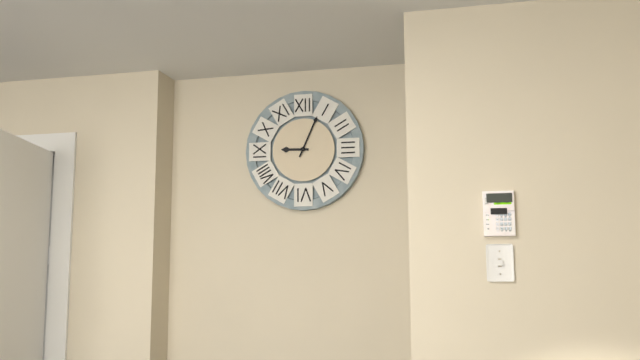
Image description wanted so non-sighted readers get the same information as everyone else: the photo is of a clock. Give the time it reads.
9:04
